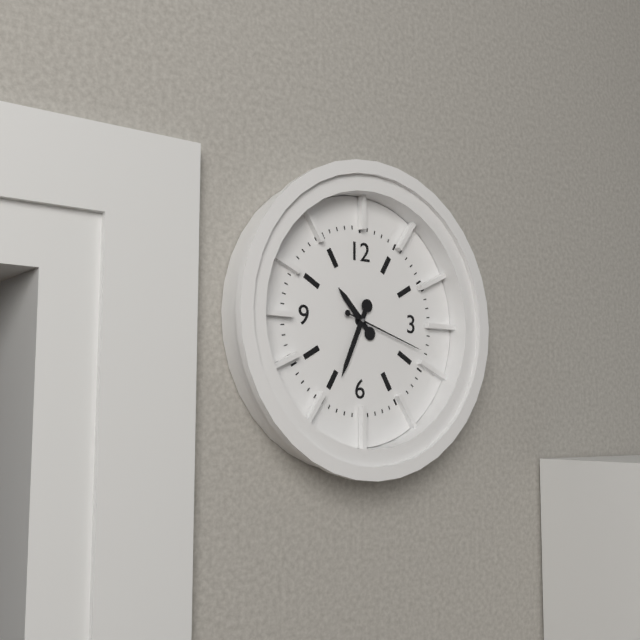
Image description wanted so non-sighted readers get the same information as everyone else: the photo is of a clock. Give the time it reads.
10:34:18
